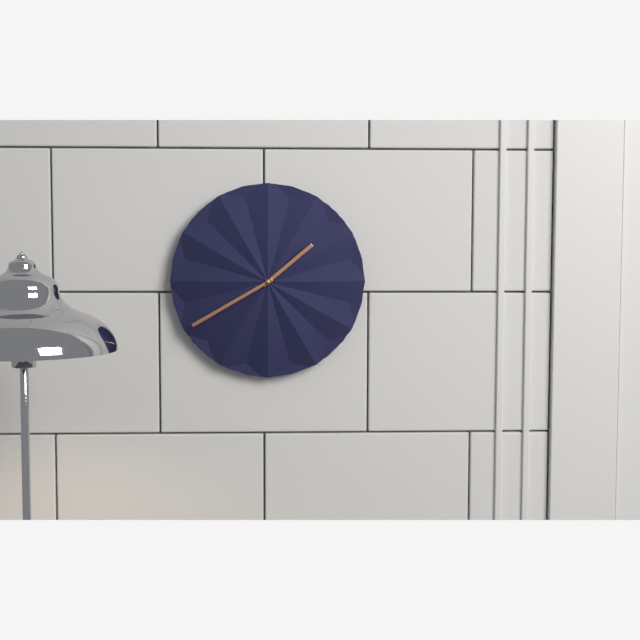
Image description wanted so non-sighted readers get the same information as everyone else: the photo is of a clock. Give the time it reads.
1:40
